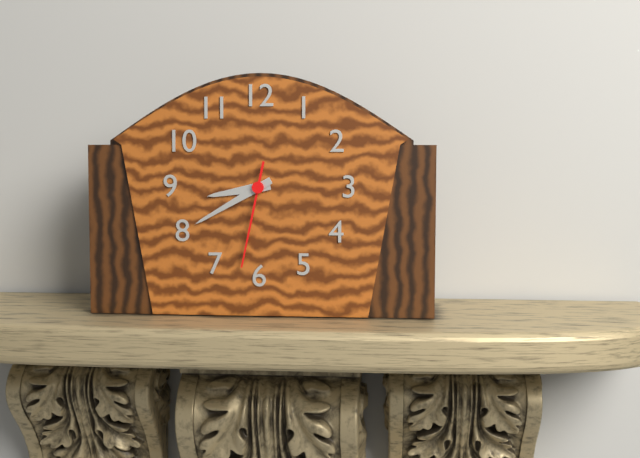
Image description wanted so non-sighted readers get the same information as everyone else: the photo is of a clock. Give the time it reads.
8:40:32
